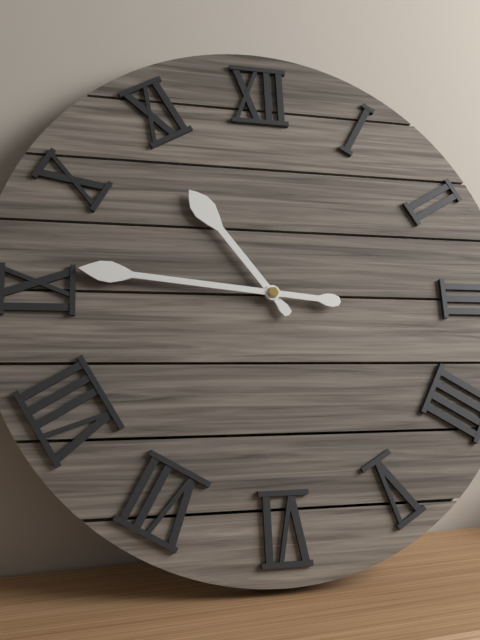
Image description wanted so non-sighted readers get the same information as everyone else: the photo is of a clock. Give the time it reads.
10:46
